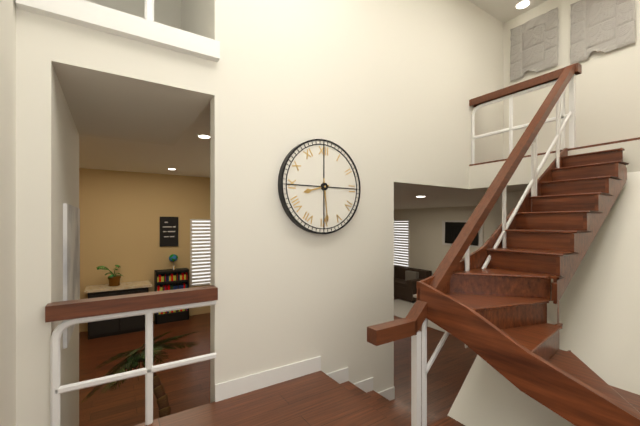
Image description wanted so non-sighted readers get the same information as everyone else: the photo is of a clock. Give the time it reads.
8:29
